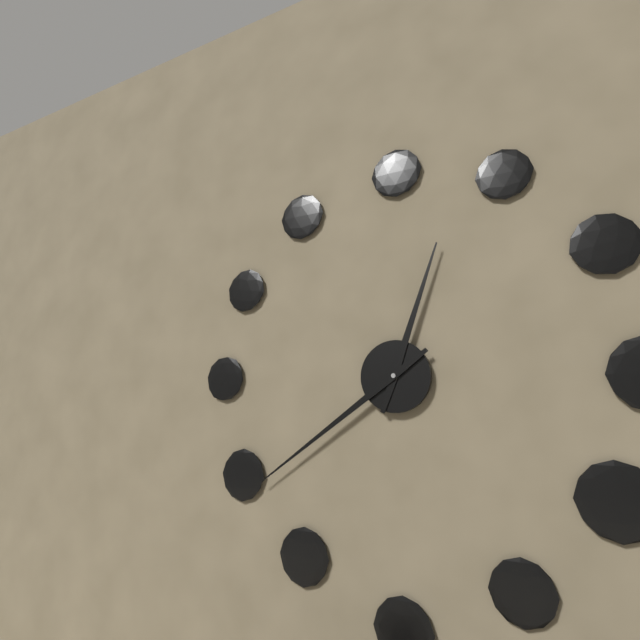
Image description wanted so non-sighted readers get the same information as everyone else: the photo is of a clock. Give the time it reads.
12:39
